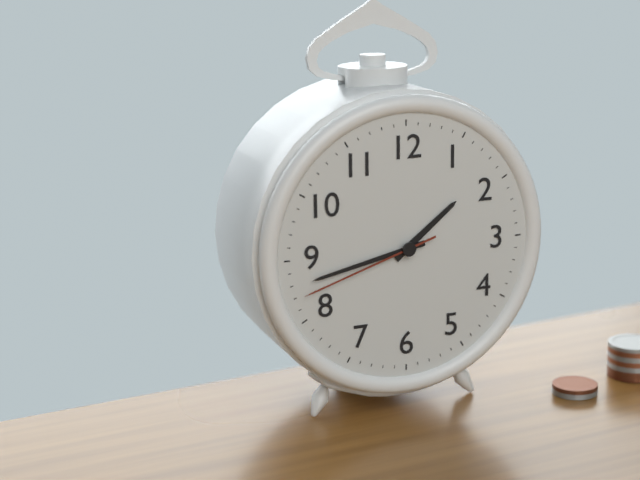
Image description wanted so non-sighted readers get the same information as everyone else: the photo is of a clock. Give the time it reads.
1:43:42
